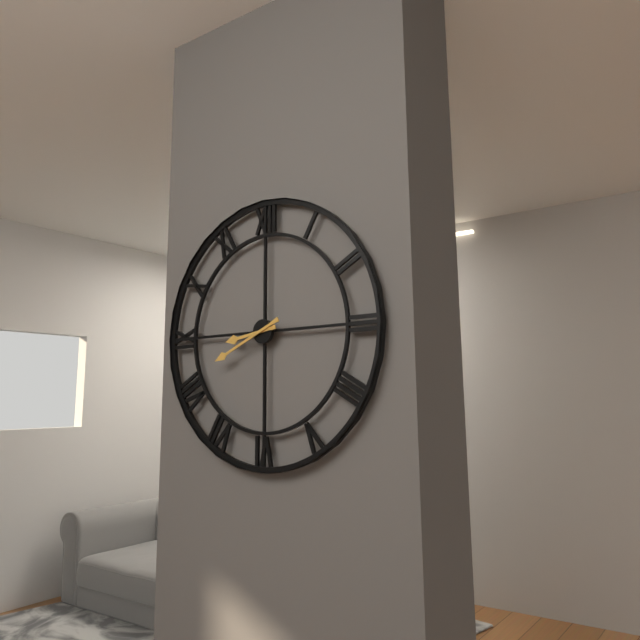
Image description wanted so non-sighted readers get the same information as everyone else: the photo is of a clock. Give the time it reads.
8:41
